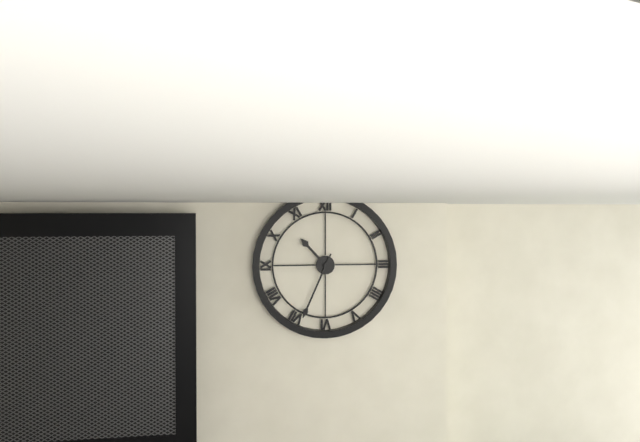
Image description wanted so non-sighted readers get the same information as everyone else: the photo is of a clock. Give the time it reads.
10:34
